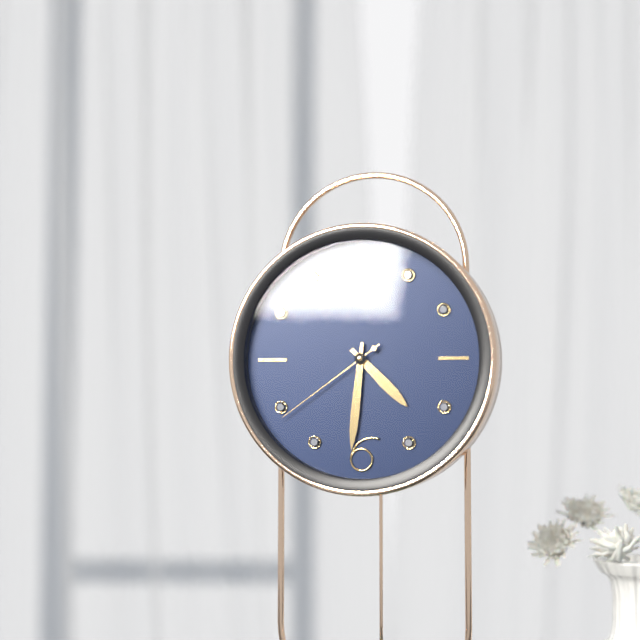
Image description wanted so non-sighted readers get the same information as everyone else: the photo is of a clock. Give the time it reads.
4:31:39
